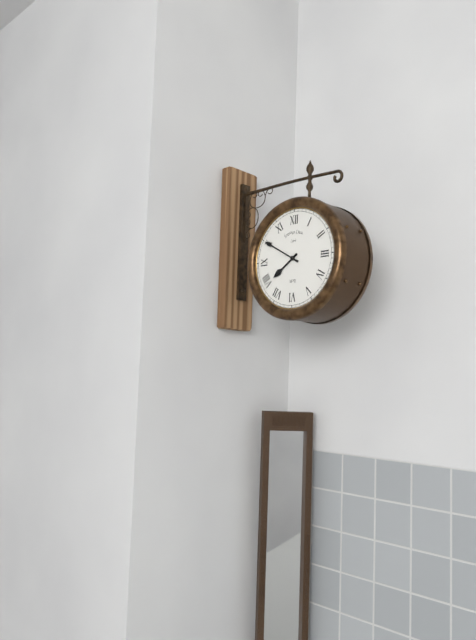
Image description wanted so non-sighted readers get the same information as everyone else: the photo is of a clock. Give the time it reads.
7:50
